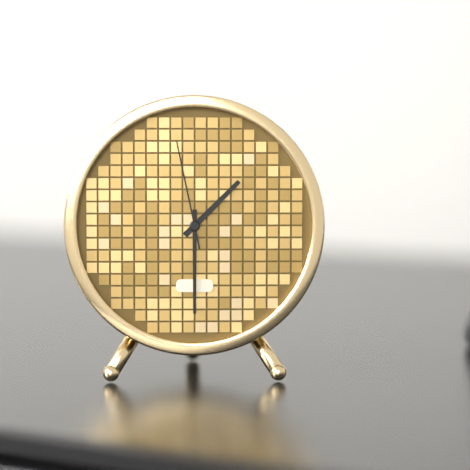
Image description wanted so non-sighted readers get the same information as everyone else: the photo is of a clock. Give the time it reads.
1:30:58
